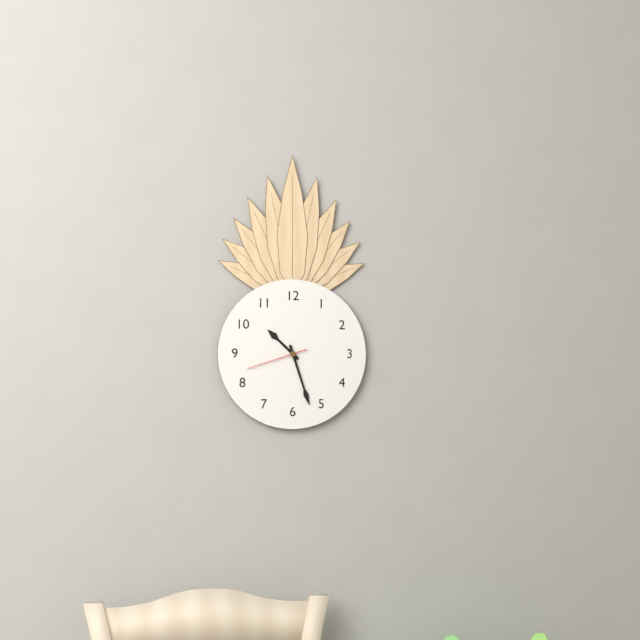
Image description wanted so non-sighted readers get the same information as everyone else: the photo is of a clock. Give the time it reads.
10:27:42
